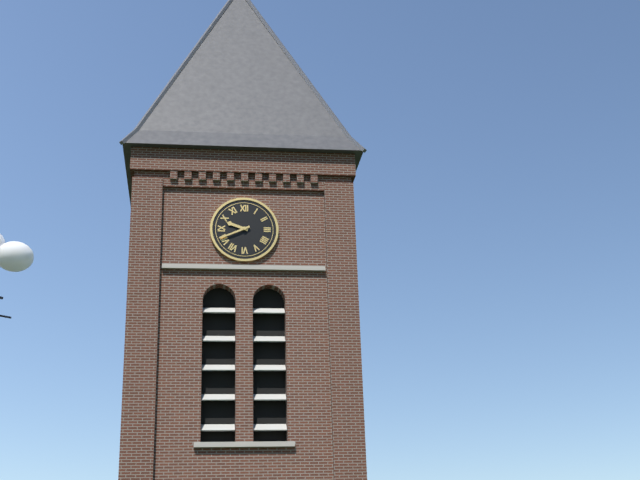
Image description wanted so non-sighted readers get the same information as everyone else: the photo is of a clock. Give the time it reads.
9:41
